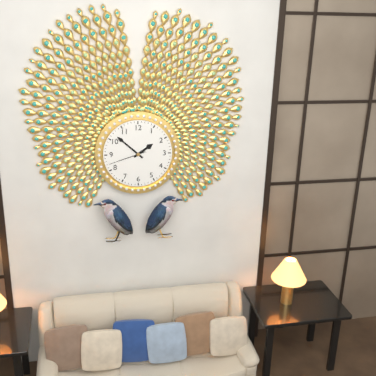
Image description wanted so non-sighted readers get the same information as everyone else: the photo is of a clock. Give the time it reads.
1:52
